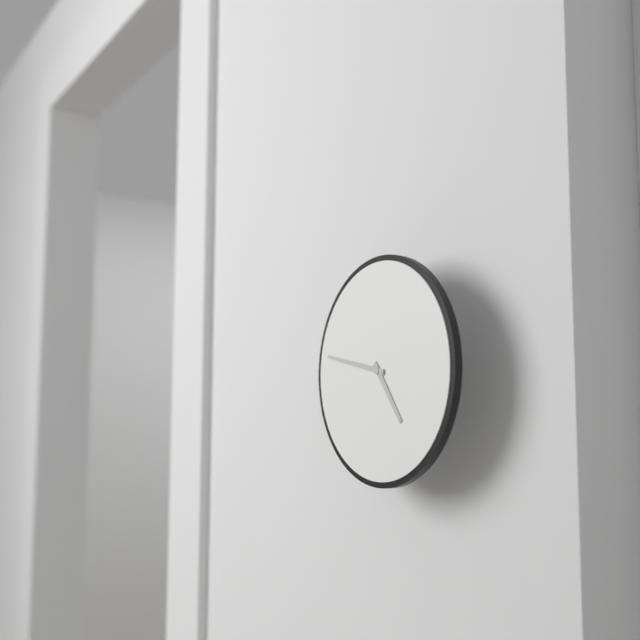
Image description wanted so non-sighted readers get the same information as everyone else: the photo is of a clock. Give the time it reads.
4:47
